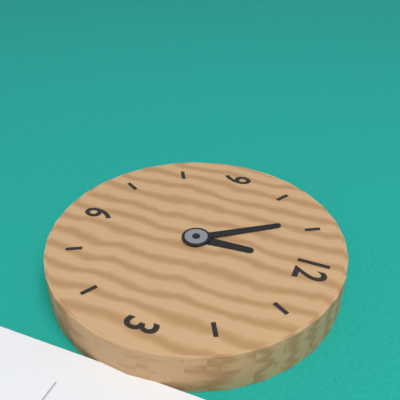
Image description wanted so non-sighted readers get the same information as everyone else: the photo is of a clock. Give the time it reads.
11:54
